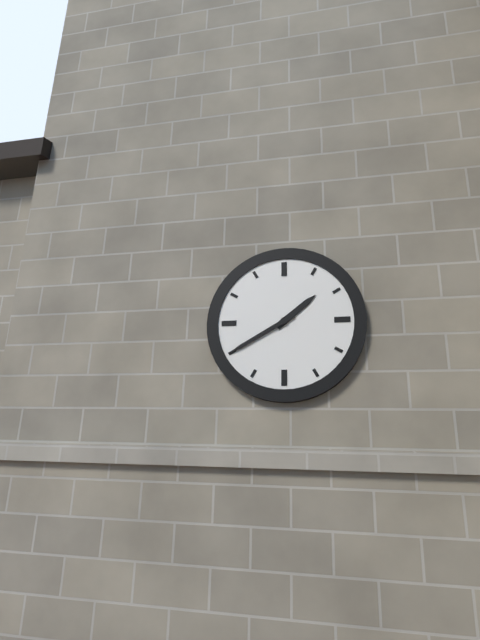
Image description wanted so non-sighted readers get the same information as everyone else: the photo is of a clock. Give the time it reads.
1:40
